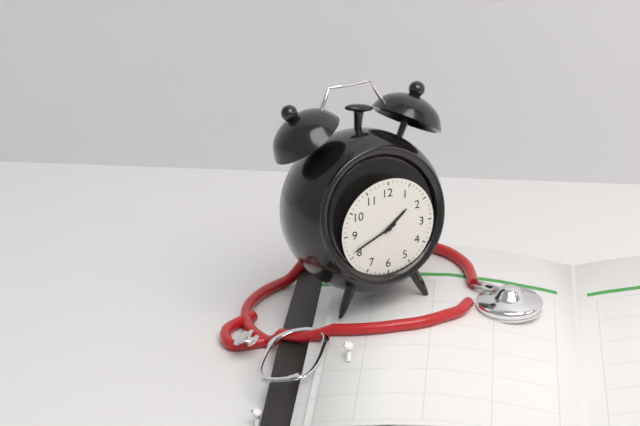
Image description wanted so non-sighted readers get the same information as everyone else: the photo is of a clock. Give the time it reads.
1:41
